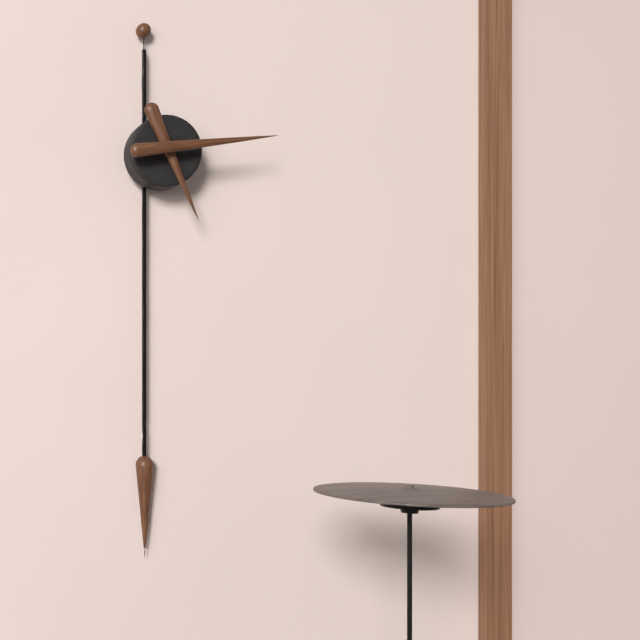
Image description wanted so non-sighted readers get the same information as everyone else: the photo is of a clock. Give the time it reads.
5:14
